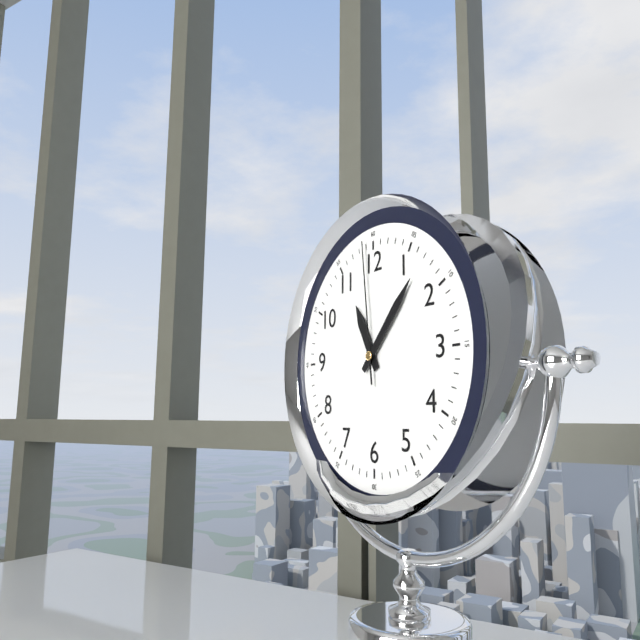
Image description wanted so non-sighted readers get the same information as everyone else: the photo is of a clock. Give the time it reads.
11:07:59
